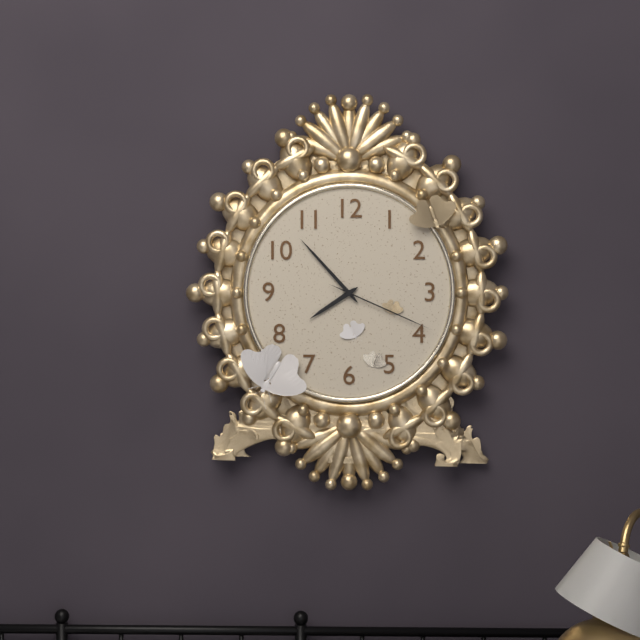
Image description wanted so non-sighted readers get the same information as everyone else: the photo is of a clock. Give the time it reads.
7:53:19
